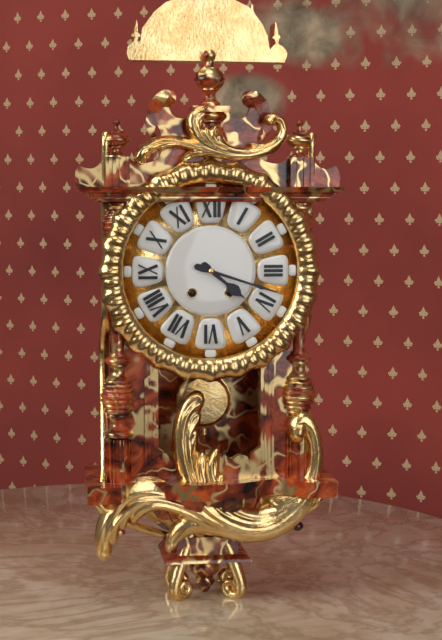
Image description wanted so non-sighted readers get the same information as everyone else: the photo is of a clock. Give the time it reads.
4:18
